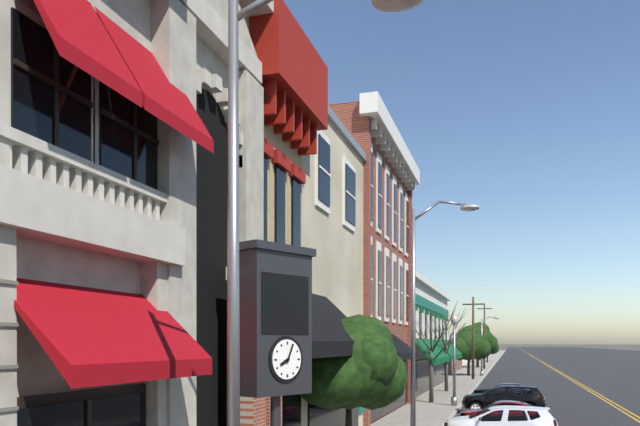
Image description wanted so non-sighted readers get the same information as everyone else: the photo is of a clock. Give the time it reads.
8:04
